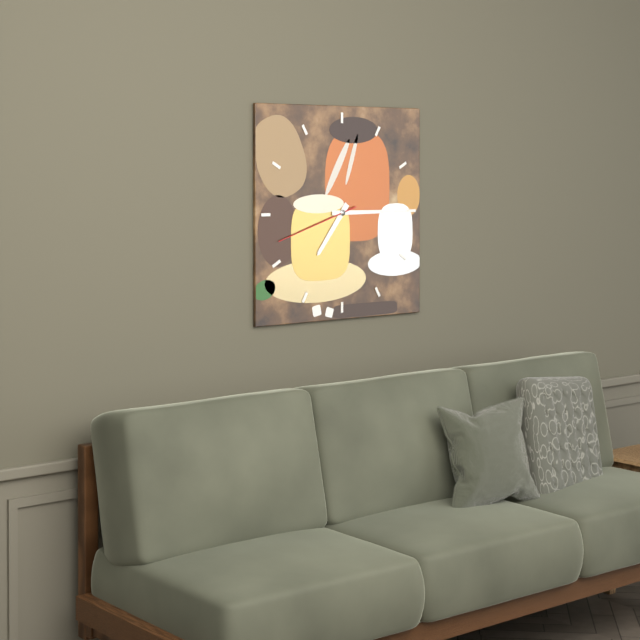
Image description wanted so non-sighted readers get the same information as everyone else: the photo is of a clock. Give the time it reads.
7:15:42
